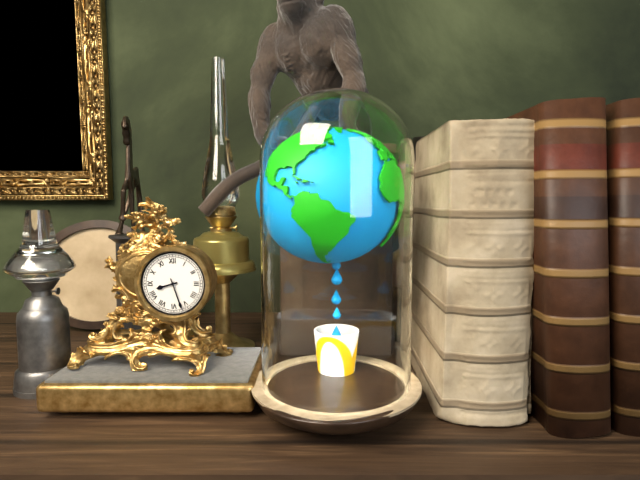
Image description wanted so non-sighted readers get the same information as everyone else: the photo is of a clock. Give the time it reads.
8:27
